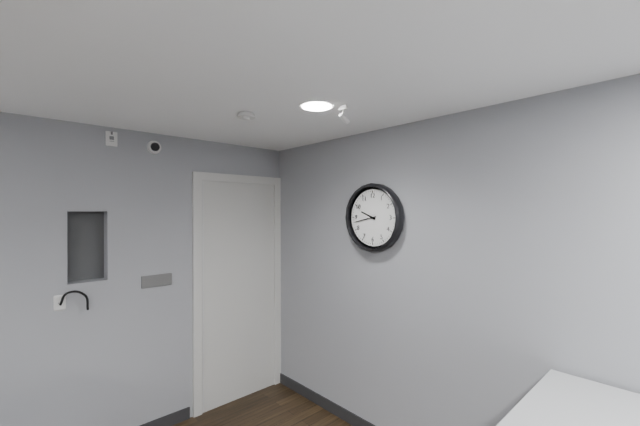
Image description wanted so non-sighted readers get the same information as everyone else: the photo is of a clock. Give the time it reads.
9:43
